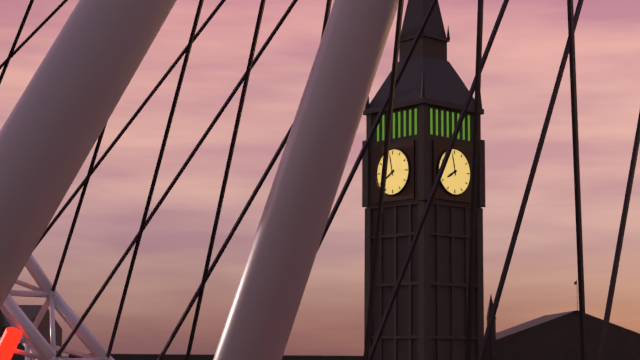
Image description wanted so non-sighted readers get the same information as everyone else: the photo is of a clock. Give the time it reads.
7:58
